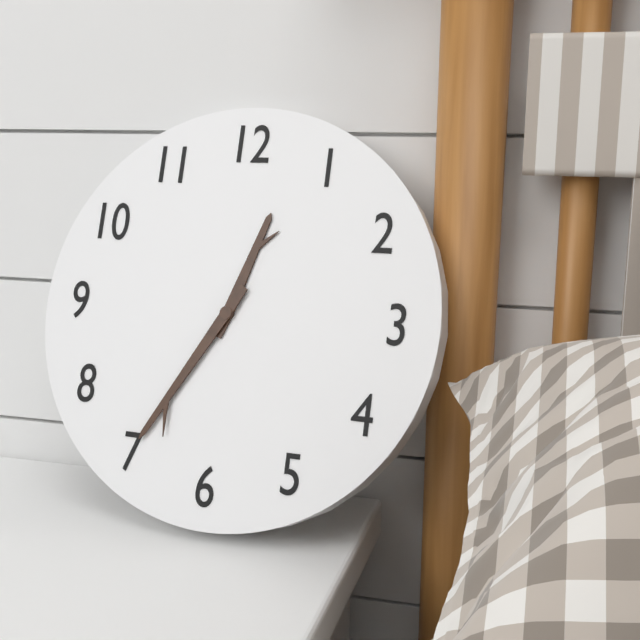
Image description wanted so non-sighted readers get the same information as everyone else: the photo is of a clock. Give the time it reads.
12:35
